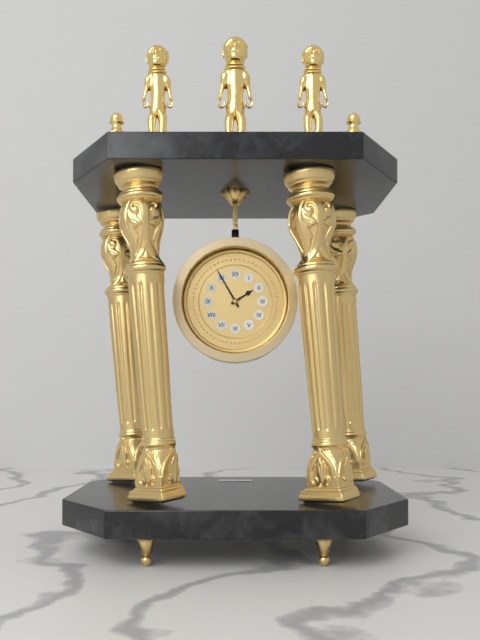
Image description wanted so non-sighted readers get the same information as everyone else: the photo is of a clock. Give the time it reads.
1:55
